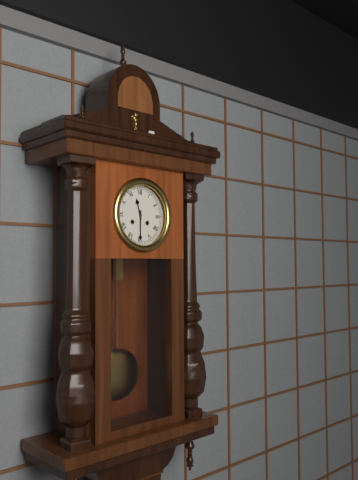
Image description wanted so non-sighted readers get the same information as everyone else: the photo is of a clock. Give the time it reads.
11:30
